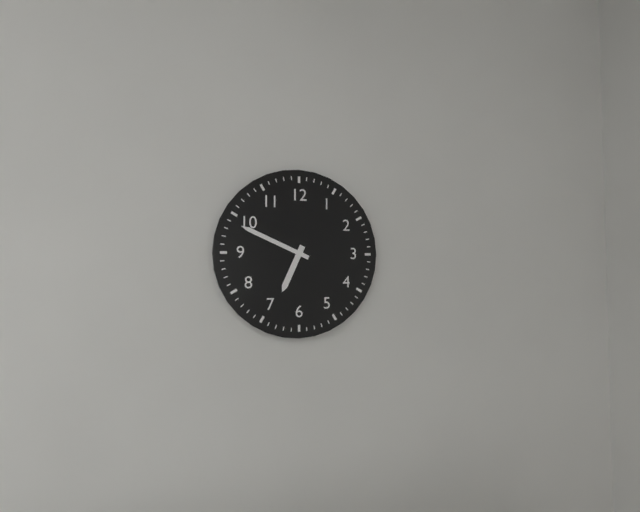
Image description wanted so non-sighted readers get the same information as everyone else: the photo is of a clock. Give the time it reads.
6:49
